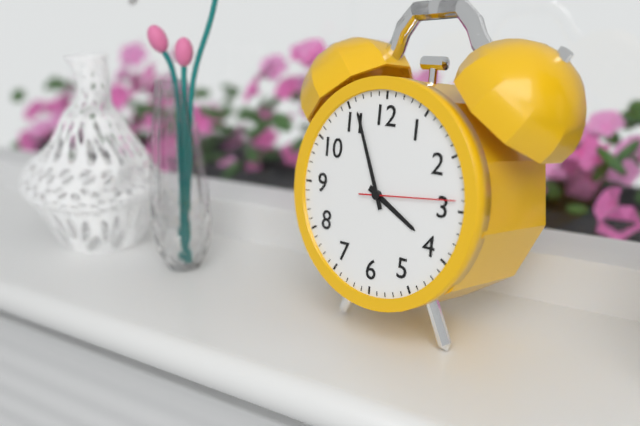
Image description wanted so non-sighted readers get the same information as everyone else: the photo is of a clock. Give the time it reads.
3:56:14
